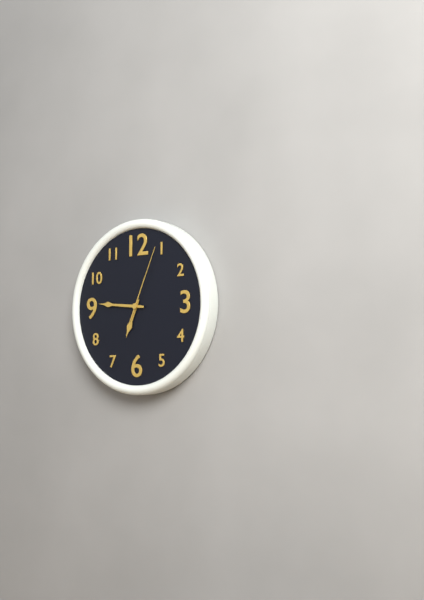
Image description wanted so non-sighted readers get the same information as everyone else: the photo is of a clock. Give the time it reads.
6:46:04
